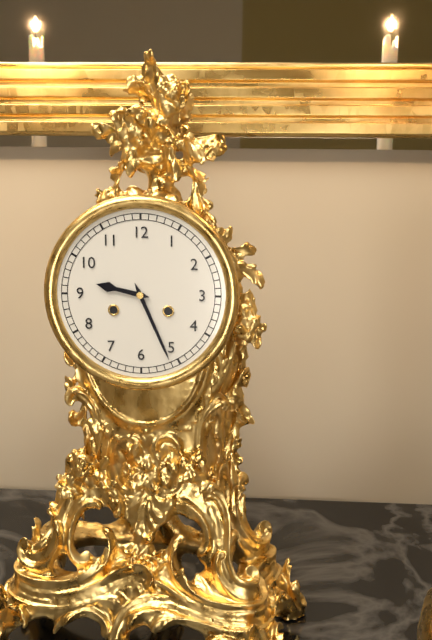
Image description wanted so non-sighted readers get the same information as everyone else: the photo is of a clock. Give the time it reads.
9:26
